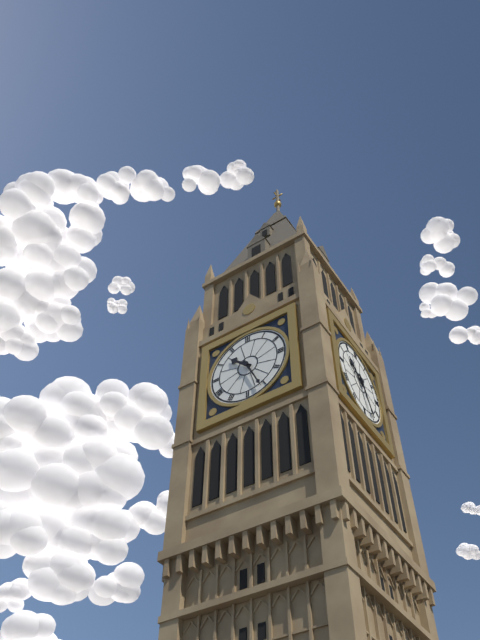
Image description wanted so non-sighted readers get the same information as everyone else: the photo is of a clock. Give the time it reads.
10:26
